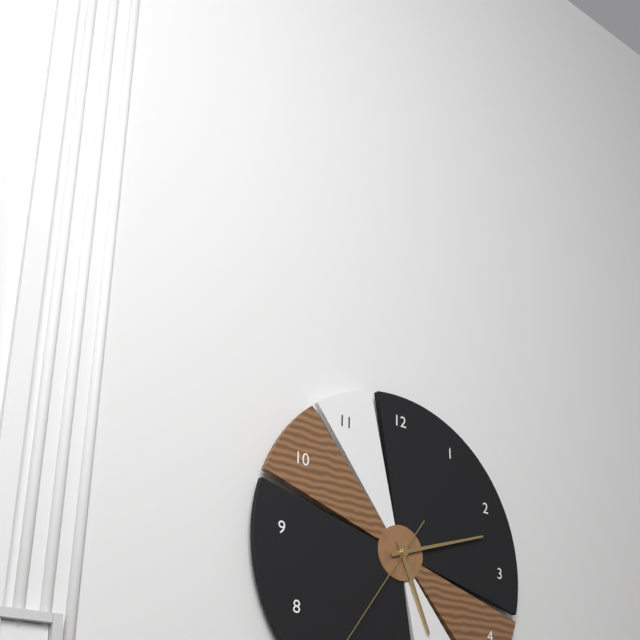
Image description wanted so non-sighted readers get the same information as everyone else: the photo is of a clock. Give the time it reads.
5:12
